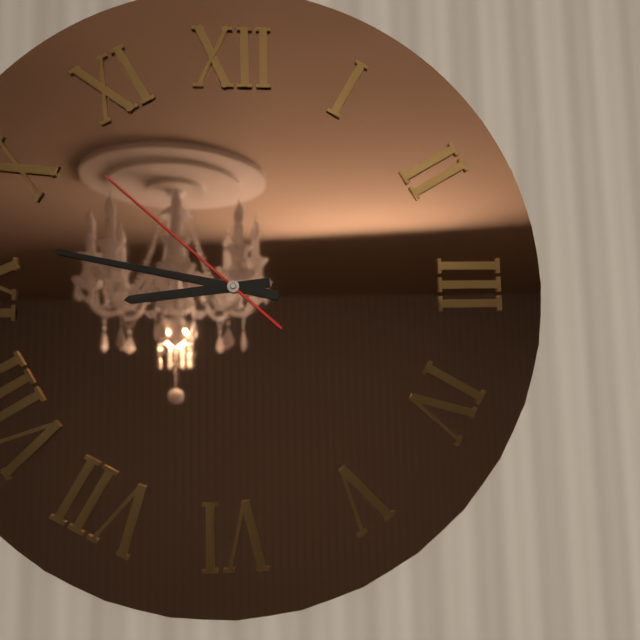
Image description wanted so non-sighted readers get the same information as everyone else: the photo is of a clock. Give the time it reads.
8:47:52
